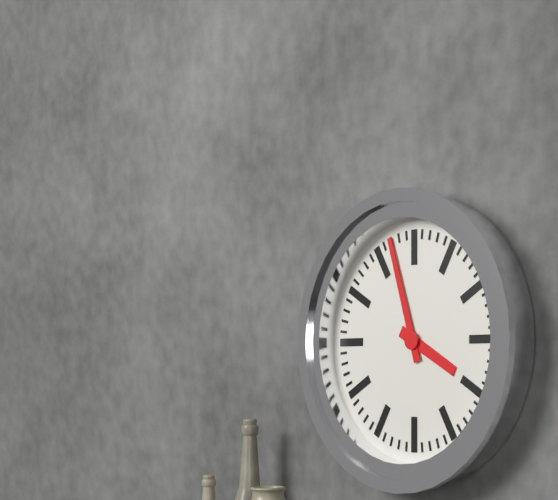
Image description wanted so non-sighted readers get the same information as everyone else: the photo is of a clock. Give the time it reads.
3:57
